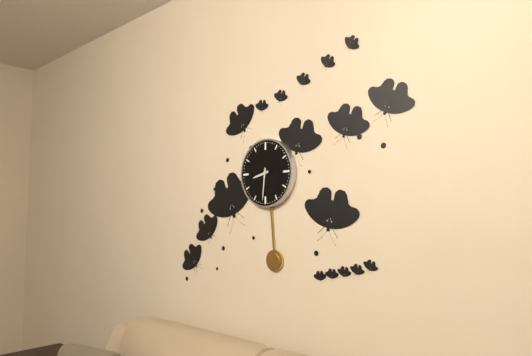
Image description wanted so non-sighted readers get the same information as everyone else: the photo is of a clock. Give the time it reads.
8:31
